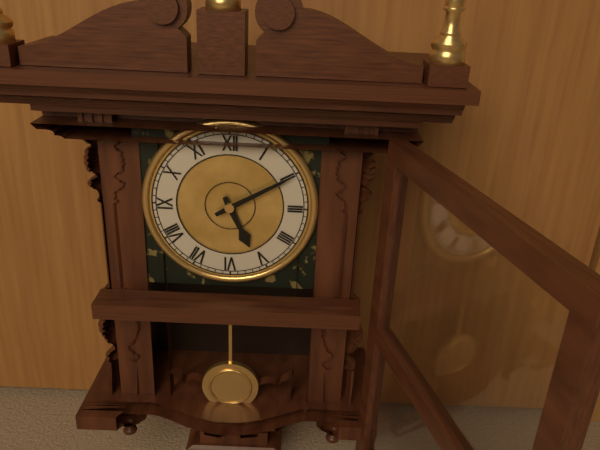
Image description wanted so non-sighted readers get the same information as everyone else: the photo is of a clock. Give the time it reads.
5:10
